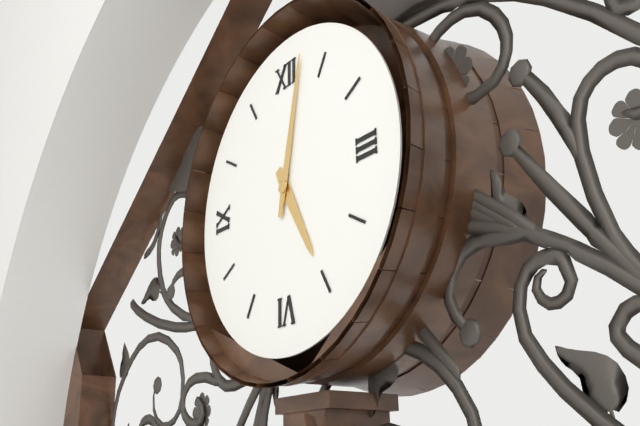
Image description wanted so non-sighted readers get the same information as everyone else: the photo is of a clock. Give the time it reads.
5:02
